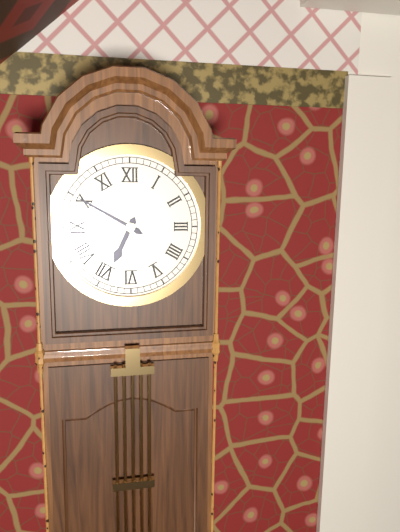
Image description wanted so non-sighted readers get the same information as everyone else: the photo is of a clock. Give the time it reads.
6:50
